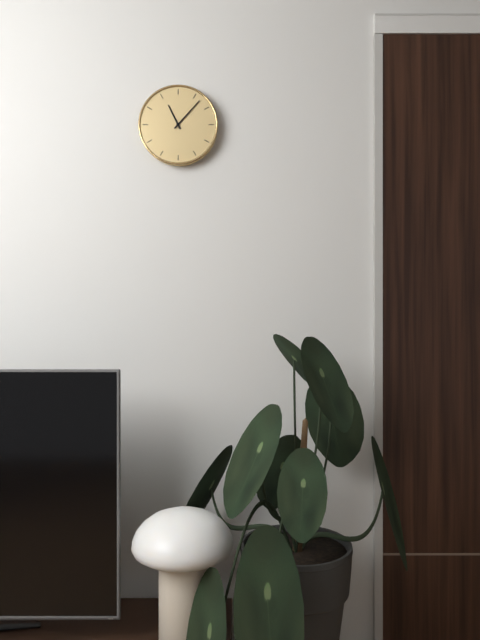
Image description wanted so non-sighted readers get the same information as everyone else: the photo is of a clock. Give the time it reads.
11:07
